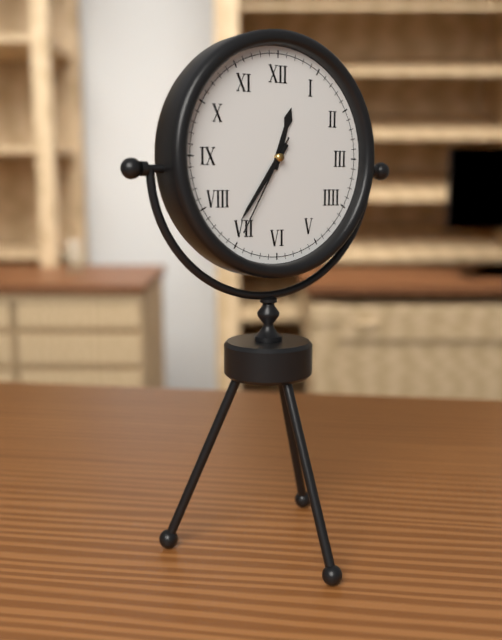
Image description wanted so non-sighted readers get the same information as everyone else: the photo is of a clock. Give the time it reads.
12:36:35
